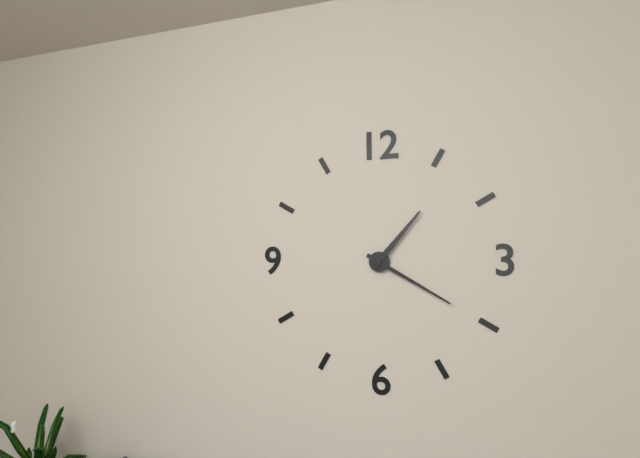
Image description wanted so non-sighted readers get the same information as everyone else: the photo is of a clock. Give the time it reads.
1:20
